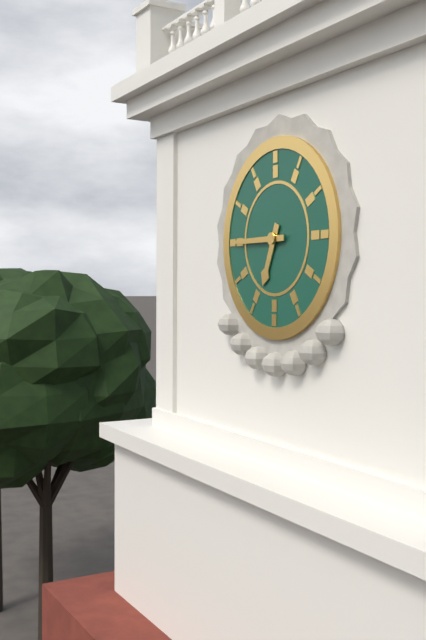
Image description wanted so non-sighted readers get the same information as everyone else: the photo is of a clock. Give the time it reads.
6:45
